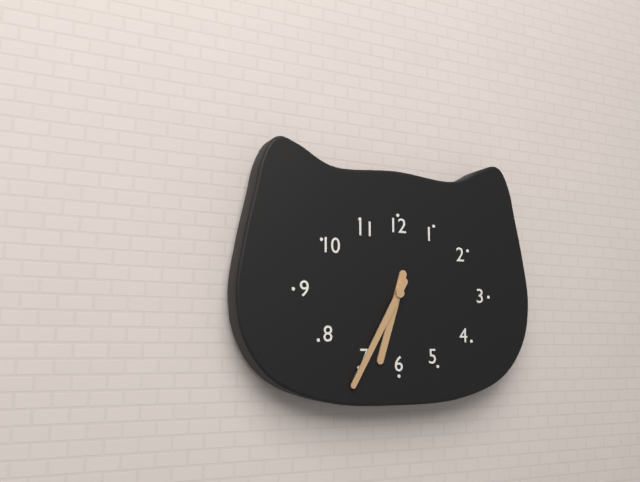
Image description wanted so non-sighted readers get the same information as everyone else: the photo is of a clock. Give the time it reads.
6:35
